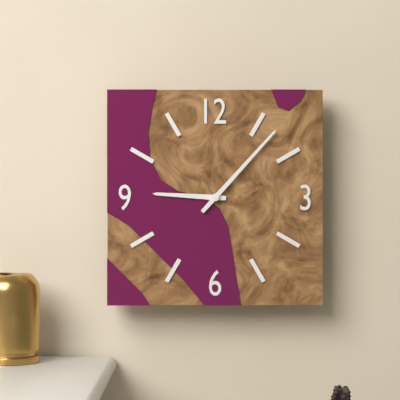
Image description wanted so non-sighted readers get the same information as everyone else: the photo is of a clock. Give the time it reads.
9:07
